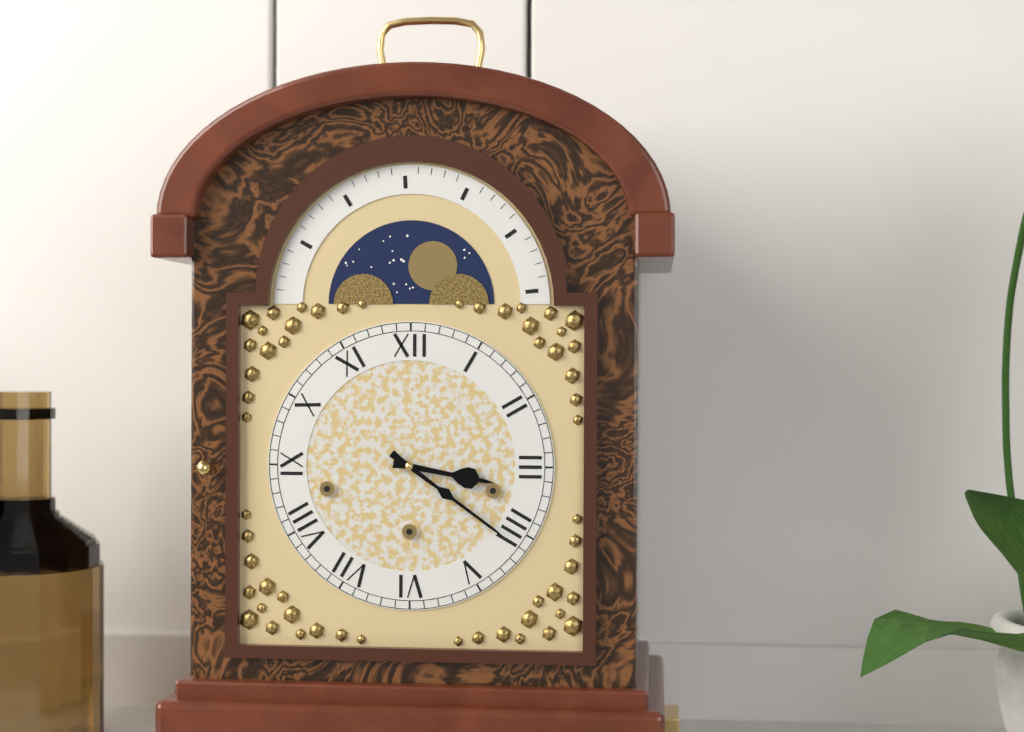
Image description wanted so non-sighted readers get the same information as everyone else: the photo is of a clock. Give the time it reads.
3:21
